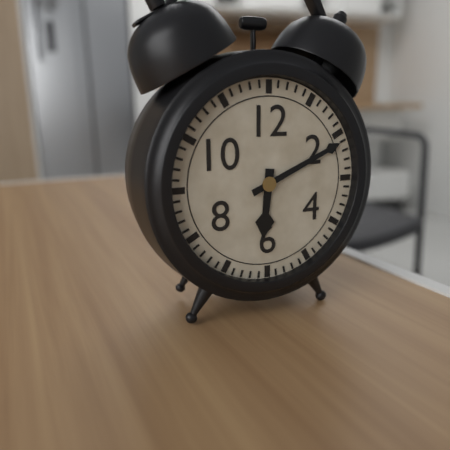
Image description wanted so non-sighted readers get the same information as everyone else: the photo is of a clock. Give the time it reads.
6:11
